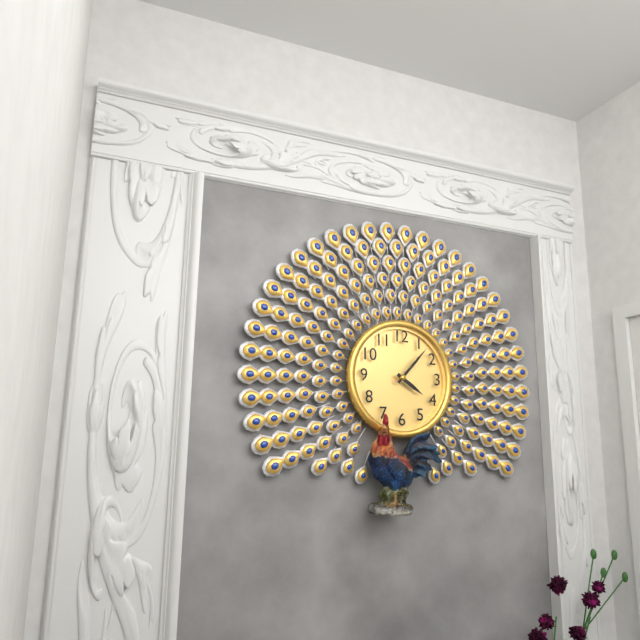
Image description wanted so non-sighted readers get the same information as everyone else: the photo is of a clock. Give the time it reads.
4:07
